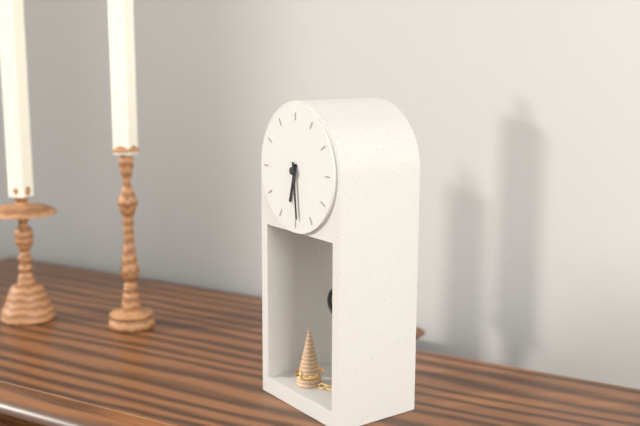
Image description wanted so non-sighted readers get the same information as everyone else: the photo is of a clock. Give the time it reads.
6:29
